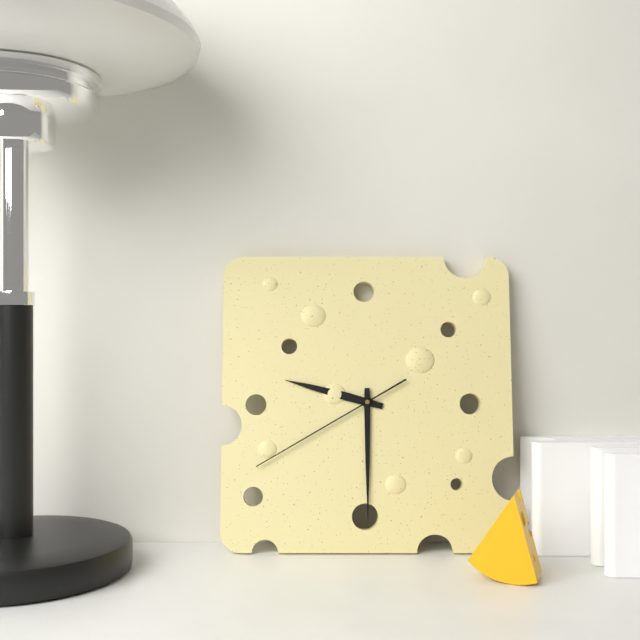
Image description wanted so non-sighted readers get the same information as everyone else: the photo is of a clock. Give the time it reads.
9:30:40
